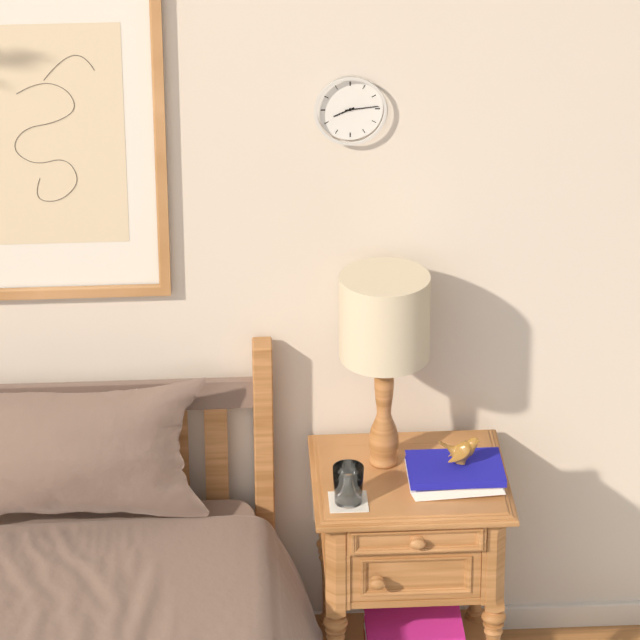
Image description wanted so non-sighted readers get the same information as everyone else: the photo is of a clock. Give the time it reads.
8:14
